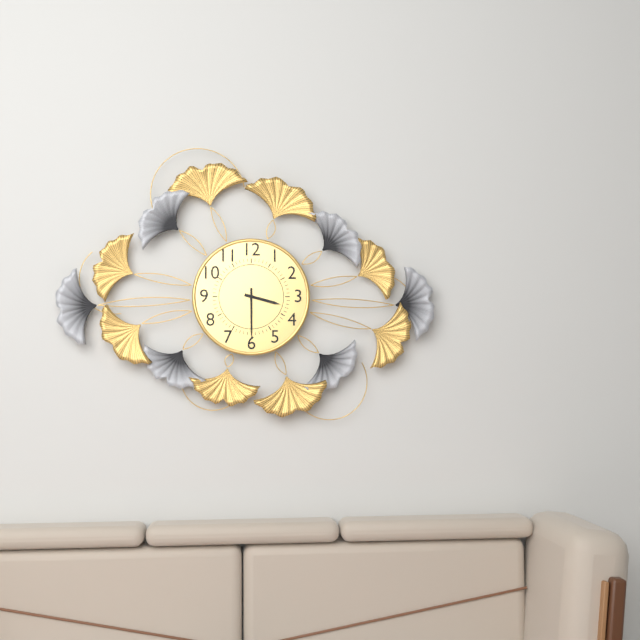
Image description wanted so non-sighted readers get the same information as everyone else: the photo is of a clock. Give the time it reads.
3:30
